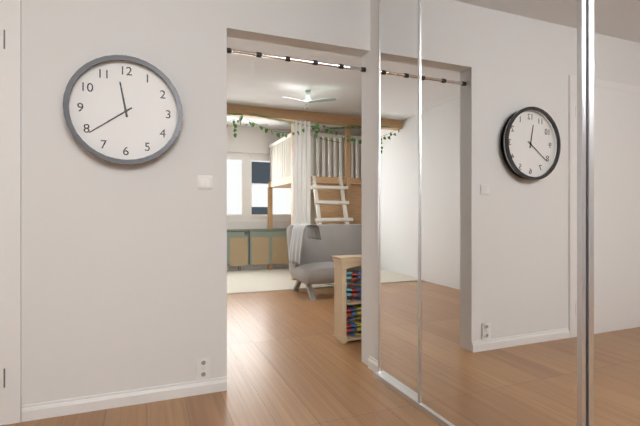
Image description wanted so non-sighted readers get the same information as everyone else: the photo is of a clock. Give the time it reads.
11:39
